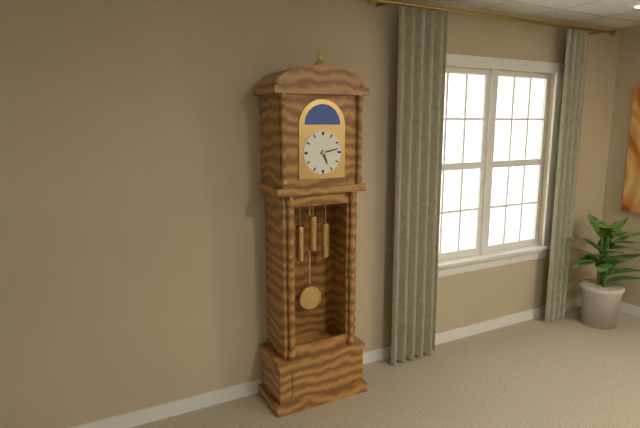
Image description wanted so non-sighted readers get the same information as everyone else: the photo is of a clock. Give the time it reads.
5:13
